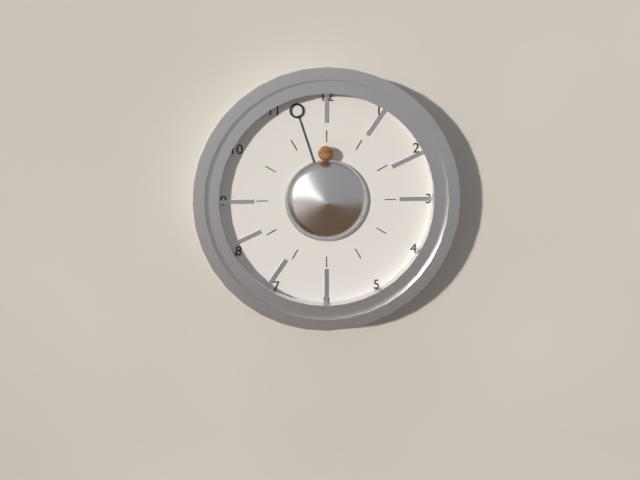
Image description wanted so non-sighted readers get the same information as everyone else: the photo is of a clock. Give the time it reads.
11:57
